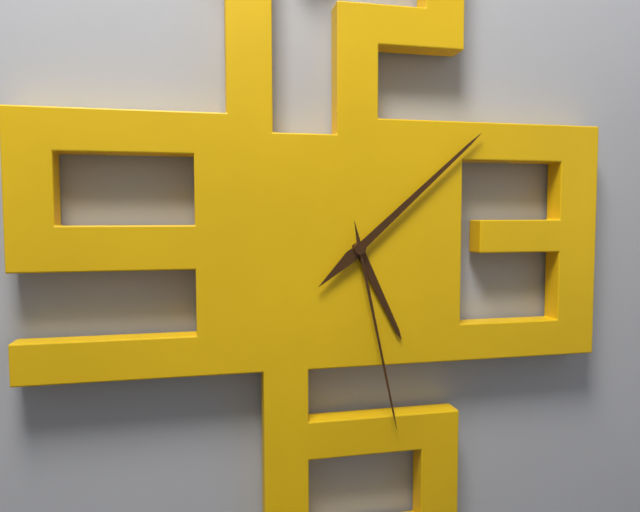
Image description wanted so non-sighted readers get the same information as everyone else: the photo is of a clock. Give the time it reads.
5:08:28
